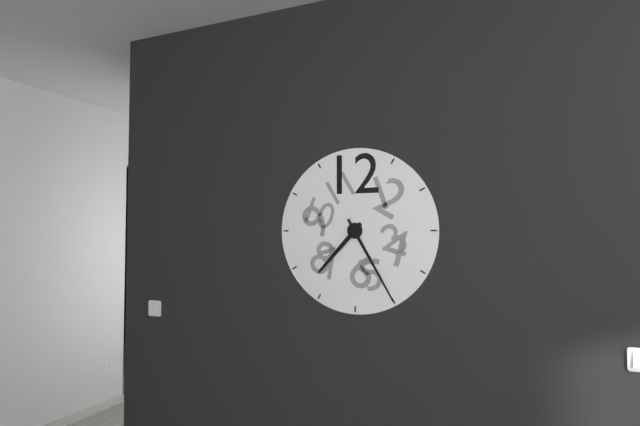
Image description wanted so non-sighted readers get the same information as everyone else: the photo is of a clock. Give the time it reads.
7:25
